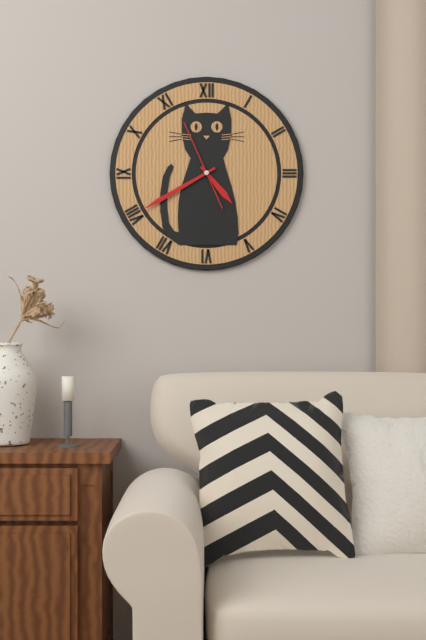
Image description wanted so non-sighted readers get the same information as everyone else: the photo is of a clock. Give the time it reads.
4:40:56
